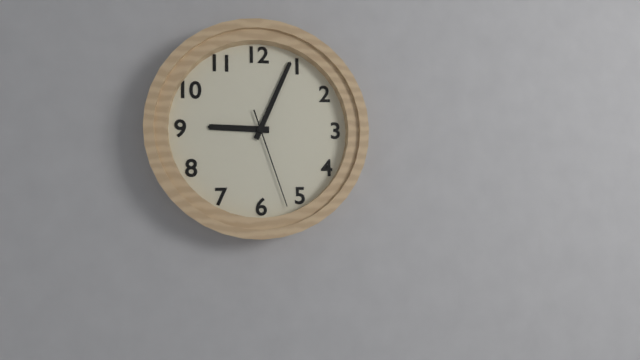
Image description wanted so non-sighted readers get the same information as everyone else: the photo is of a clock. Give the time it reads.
9:04:27
